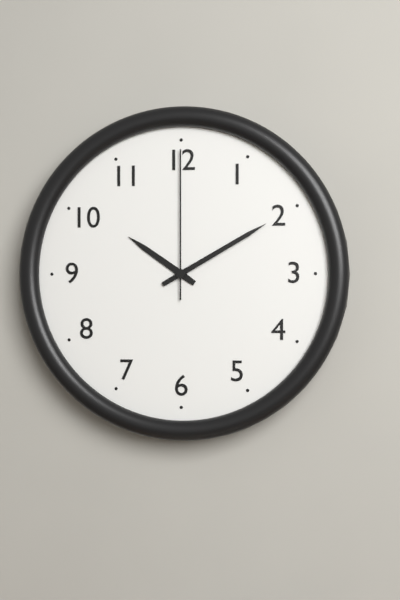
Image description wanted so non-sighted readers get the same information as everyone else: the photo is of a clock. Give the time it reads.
10:10:00
